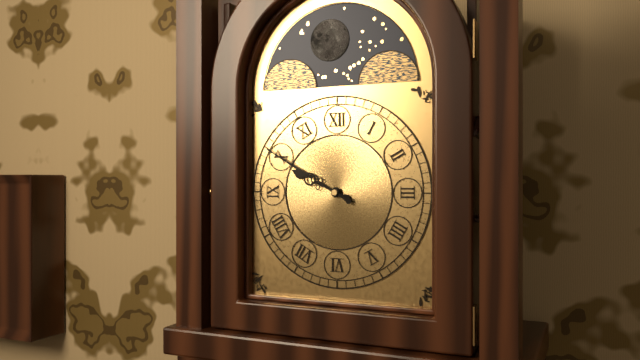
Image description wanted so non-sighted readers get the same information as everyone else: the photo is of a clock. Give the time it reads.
9:50
